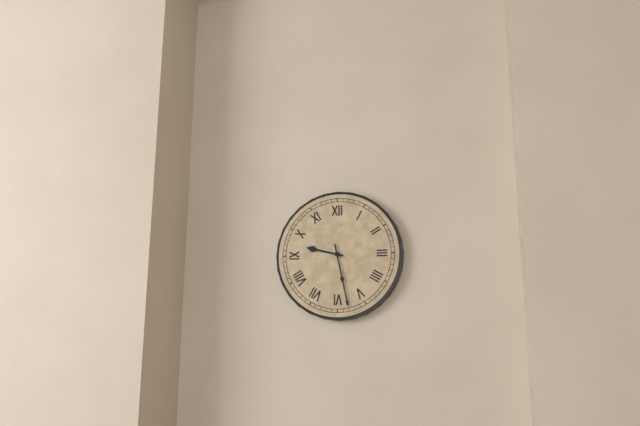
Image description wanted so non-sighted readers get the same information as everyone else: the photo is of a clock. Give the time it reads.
9:28
